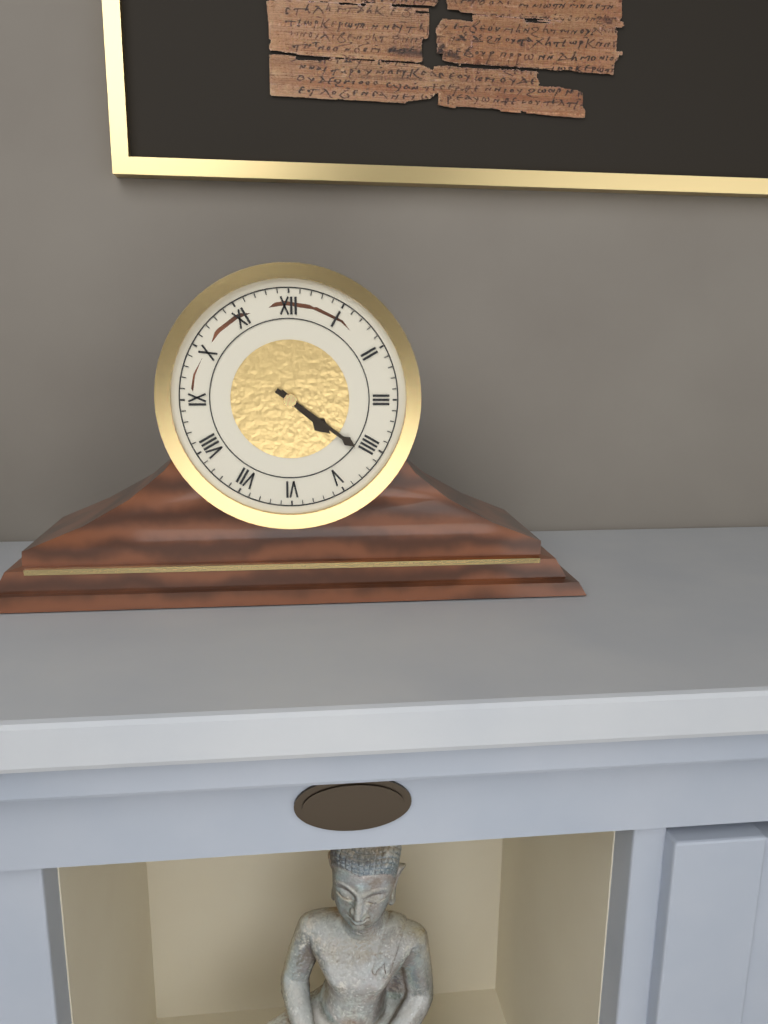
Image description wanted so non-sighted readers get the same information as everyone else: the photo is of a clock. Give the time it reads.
4:21
